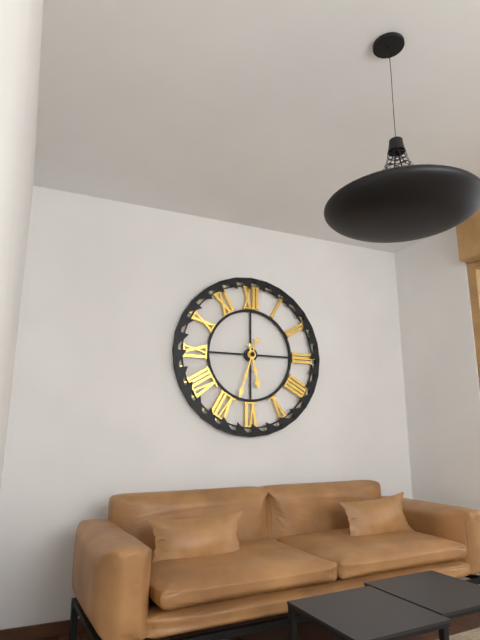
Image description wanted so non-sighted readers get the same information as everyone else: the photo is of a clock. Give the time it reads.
5:33
